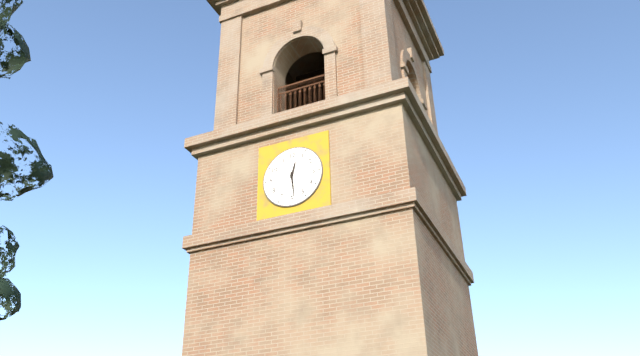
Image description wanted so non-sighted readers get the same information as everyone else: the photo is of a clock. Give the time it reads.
12:29
